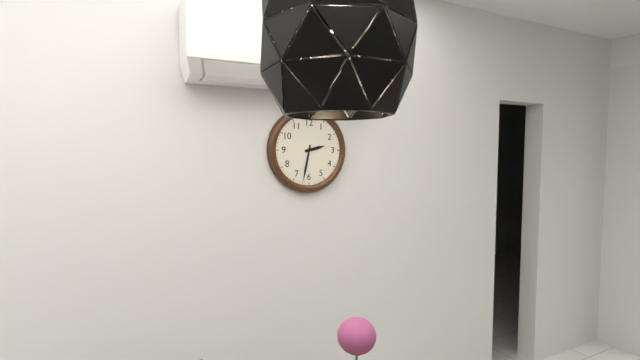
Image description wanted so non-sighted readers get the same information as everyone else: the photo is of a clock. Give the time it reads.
2:32
